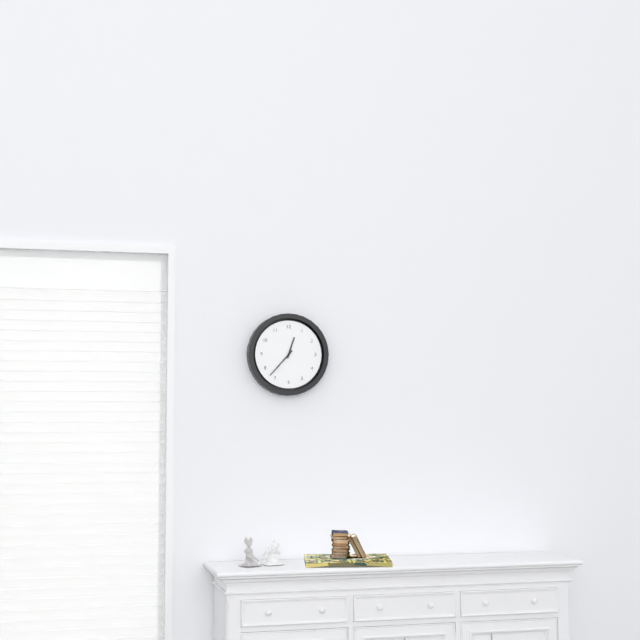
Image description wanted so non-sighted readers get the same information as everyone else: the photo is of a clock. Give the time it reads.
12:37
